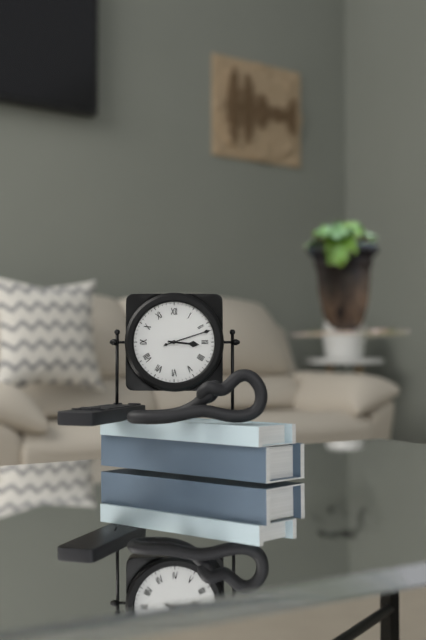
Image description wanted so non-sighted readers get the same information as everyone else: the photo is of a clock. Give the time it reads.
3:12
